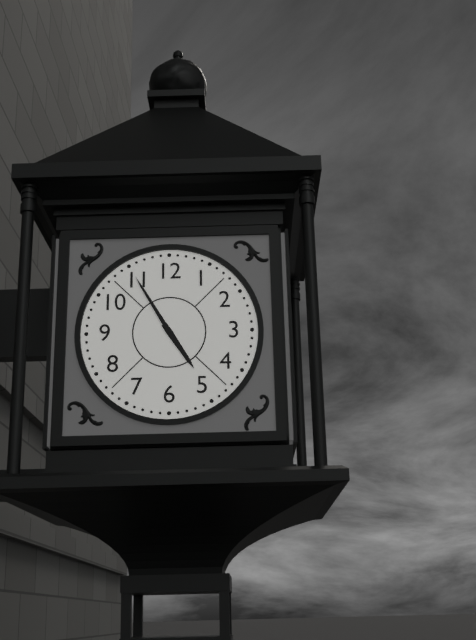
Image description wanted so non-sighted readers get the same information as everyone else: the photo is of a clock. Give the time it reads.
4:55
